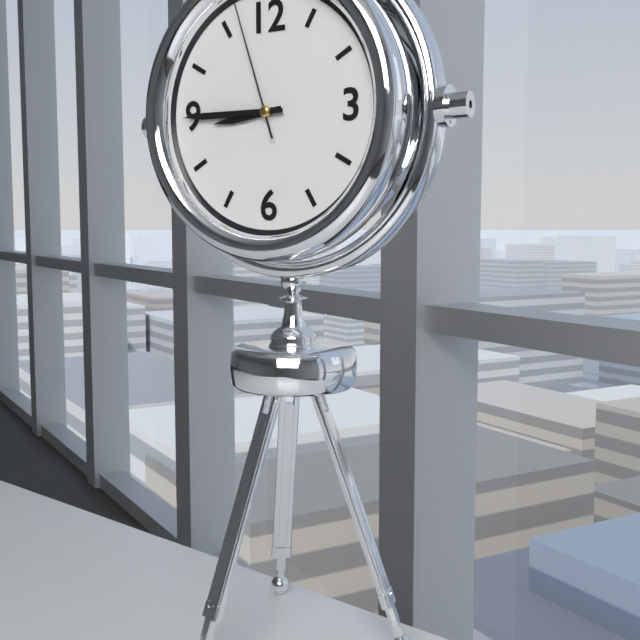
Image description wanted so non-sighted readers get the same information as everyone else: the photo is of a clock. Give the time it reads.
8:45:57
